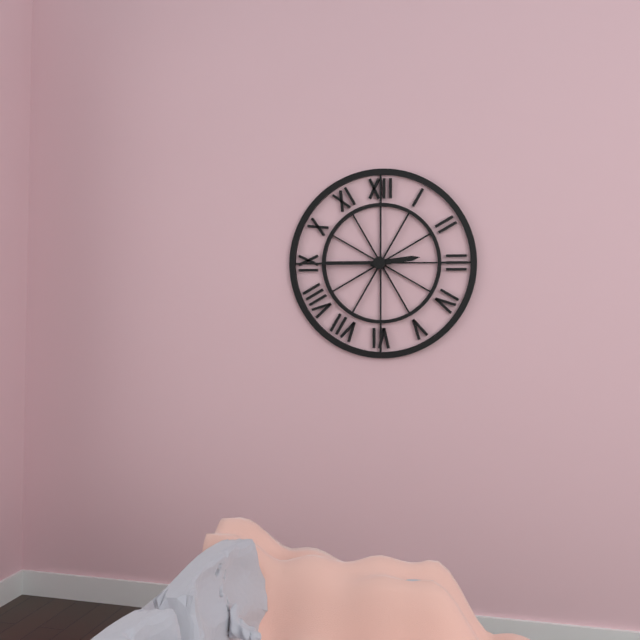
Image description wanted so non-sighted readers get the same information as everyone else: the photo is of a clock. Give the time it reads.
2:45
